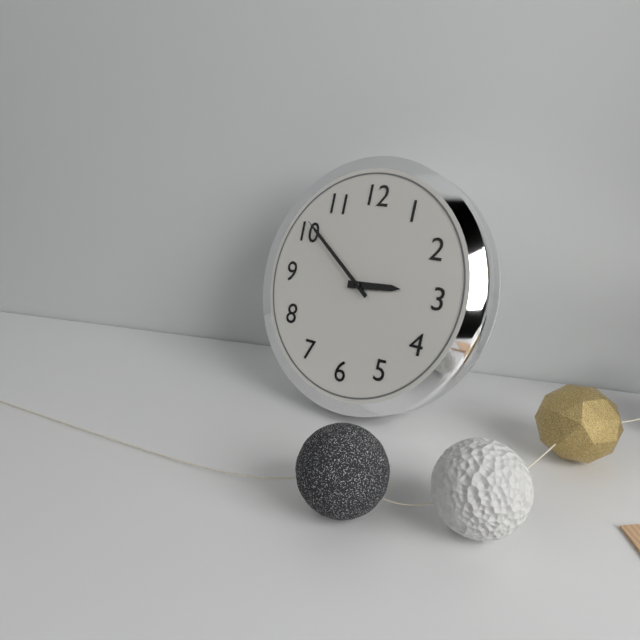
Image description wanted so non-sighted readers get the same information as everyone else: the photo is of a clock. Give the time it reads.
2:51
